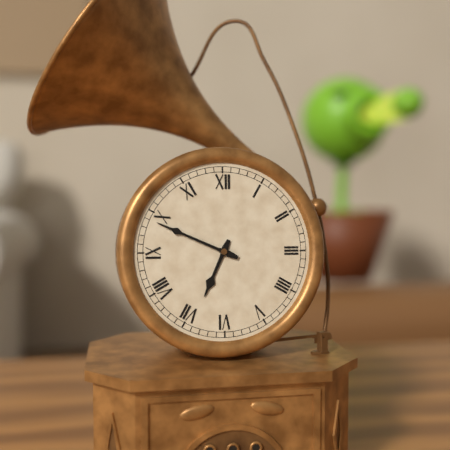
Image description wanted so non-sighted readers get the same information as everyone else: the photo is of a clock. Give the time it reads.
6:49
